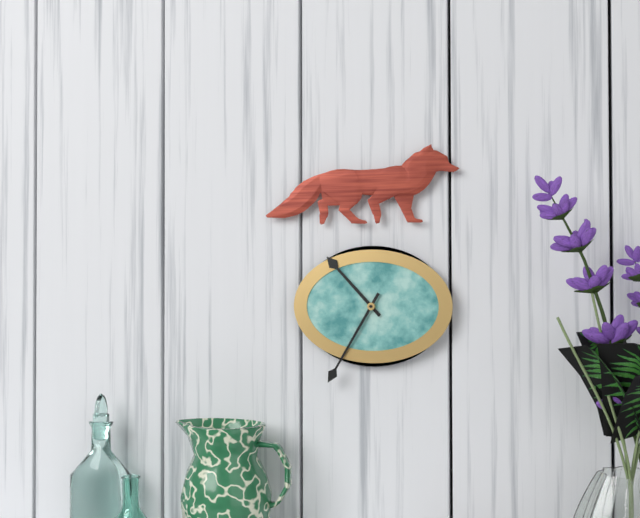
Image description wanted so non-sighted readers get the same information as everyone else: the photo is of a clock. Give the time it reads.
10:35
